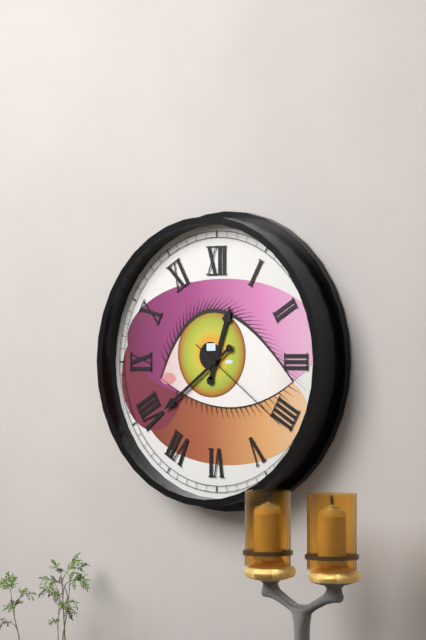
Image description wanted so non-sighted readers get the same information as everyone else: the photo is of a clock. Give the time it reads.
12:39:21
